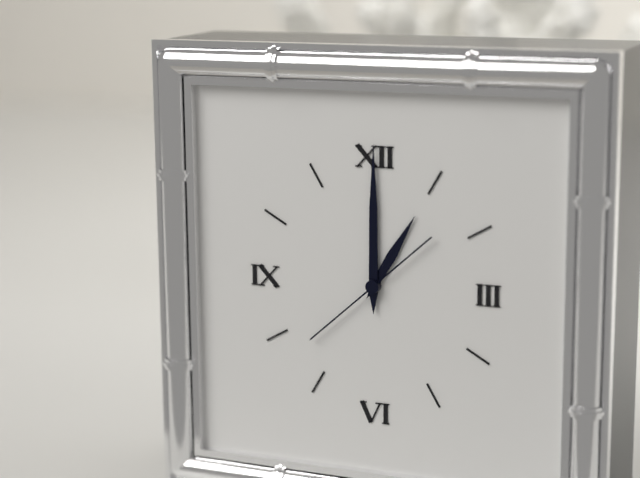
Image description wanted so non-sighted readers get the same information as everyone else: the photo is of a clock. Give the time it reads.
1:00:38
